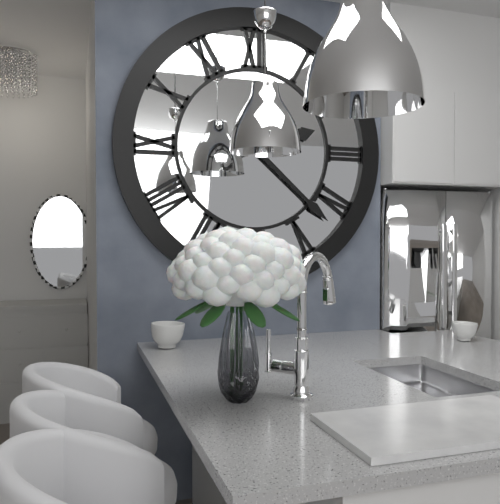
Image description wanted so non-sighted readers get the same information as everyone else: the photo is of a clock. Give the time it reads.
2:22
